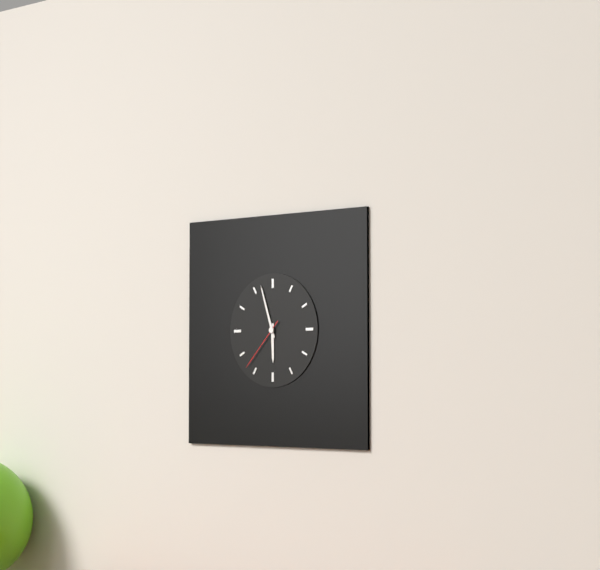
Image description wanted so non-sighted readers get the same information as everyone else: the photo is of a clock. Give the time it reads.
5:57:37
